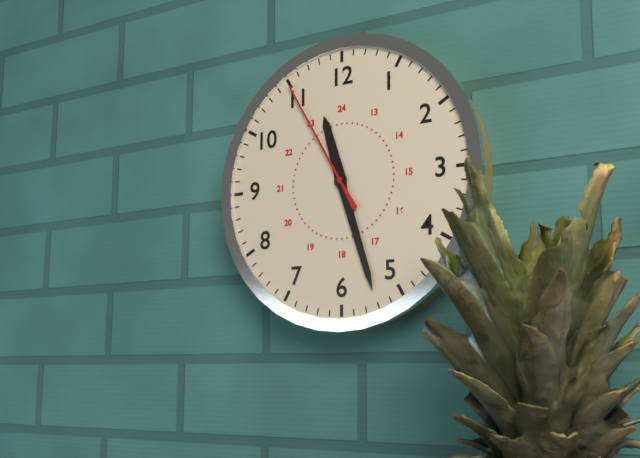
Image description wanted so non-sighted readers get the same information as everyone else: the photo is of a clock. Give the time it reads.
11:27:55
